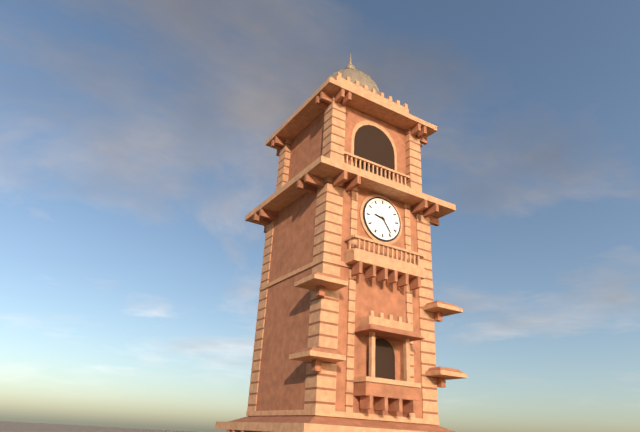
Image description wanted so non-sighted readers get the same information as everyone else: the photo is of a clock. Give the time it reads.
9:24
